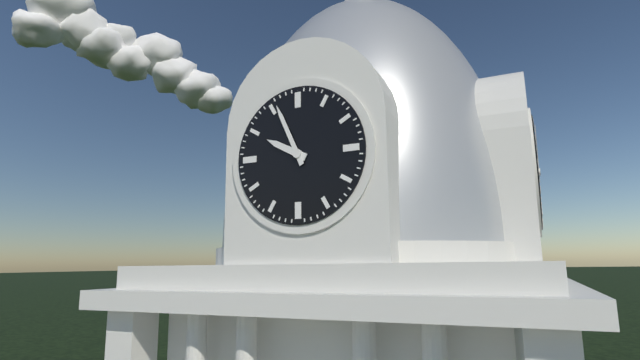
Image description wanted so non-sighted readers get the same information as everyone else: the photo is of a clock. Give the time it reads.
9:56
